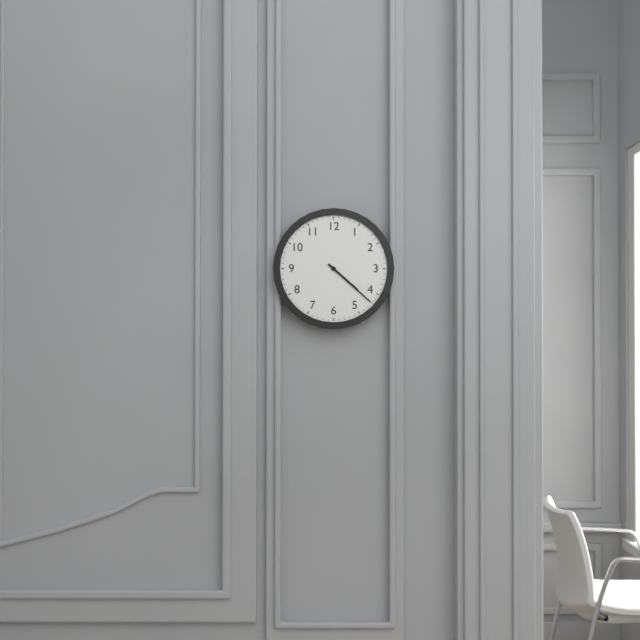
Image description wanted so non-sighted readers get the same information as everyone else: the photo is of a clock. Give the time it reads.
4:22
